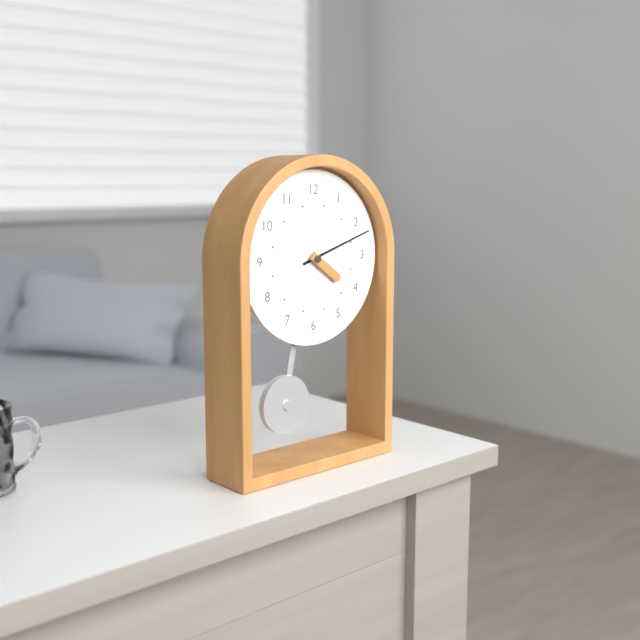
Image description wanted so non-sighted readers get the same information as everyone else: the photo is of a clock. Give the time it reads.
4:12
